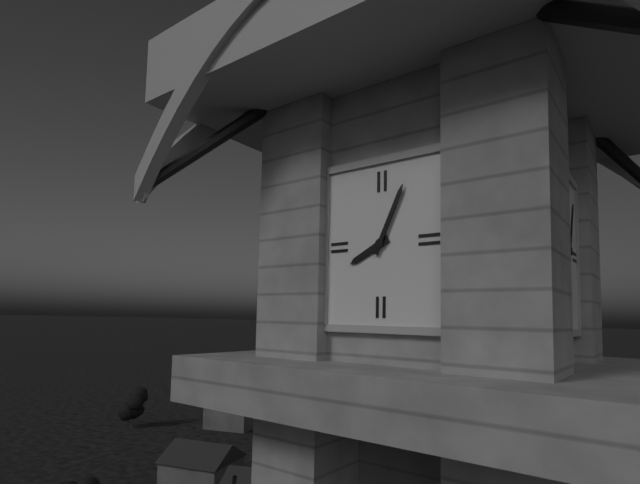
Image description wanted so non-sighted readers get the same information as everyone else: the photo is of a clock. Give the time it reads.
8:04
